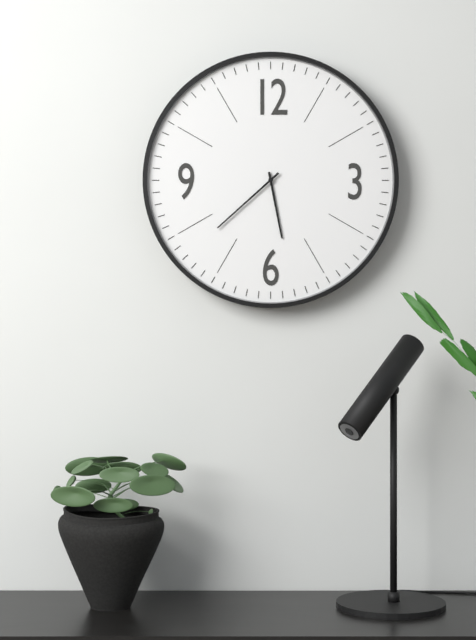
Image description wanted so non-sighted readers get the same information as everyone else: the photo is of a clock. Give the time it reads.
5:38
